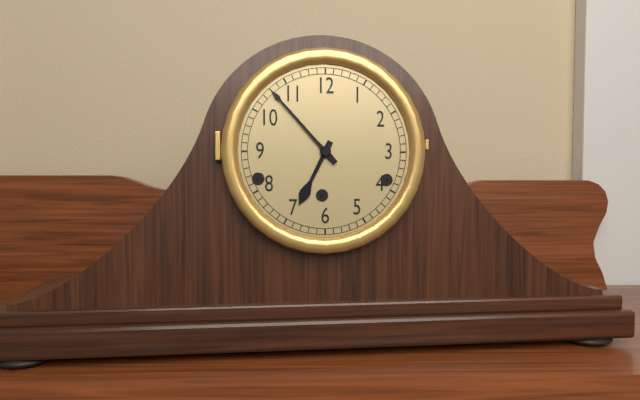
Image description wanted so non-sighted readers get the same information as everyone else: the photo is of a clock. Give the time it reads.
6:53
